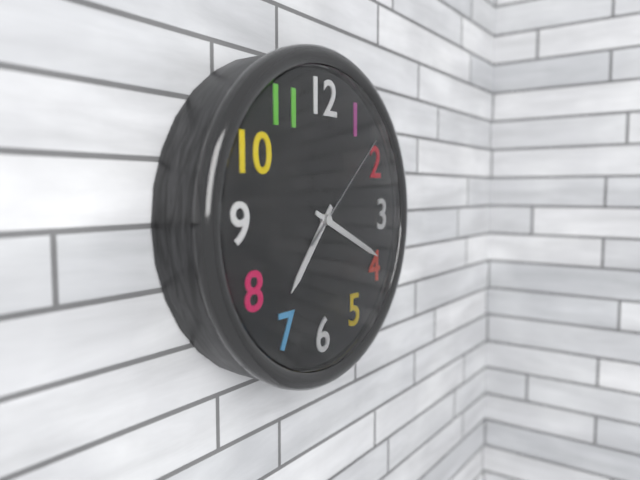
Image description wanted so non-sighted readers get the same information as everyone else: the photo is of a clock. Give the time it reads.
7:19:08
